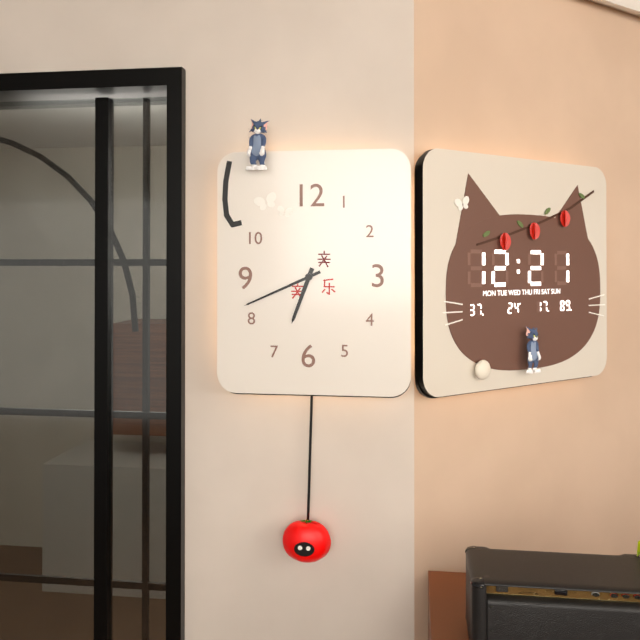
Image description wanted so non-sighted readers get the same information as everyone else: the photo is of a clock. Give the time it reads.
6:41
